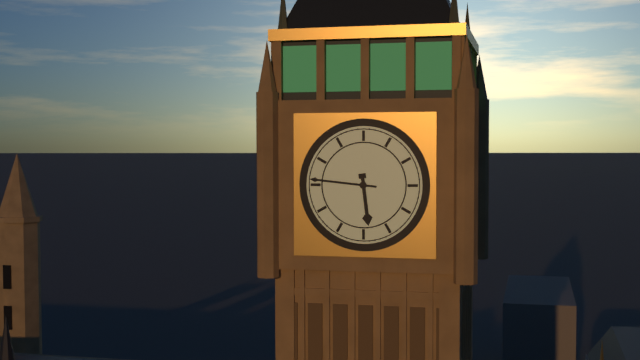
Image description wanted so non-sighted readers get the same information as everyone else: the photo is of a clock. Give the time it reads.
5:46
